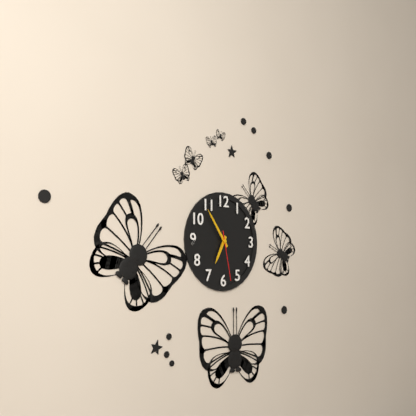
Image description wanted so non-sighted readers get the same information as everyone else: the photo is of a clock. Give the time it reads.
6:54:28
